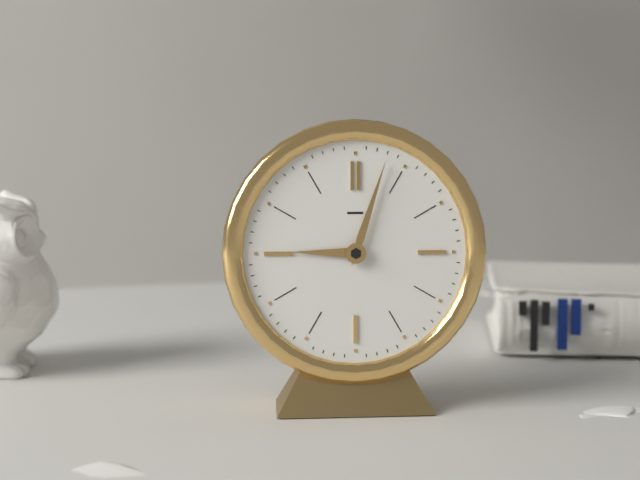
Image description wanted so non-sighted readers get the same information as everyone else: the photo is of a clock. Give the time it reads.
9:03
